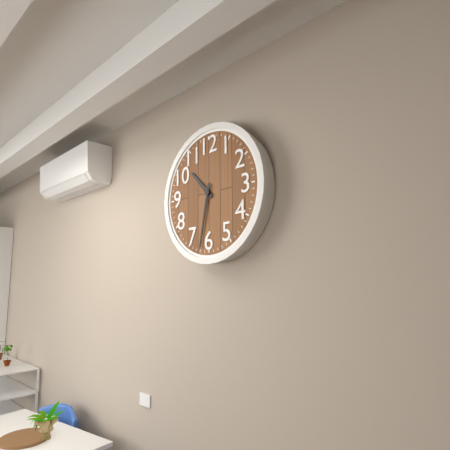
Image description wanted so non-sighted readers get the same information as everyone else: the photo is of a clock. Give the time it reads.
10:32
